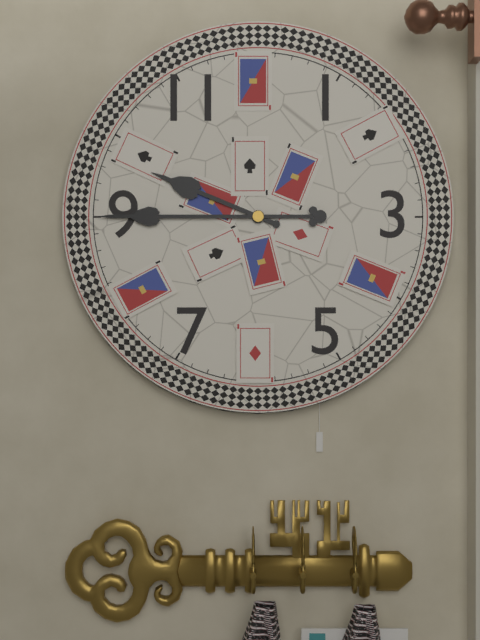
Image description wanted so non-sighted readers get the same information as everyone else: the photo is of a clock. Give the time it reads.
9:45
